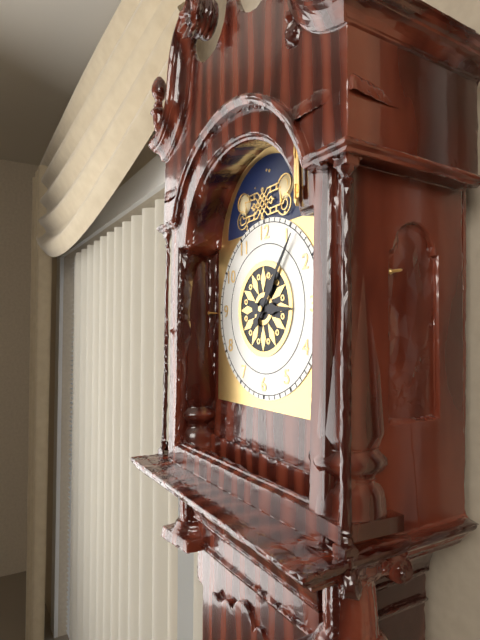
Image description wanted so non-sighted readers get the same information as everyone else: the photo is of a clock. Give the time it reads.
3:06
